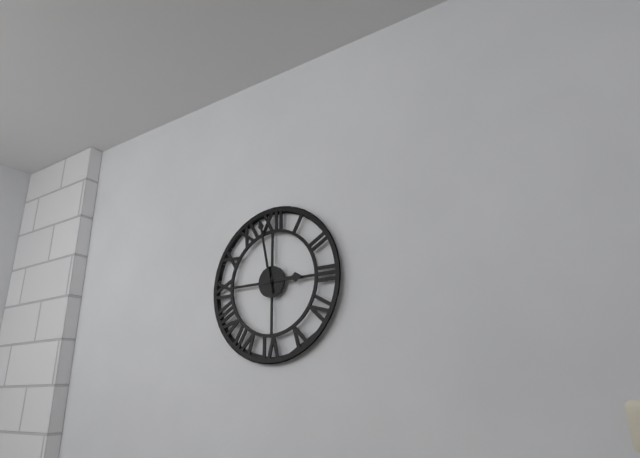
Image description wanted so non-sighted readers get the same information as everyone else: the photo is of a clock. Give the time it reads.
2:58
